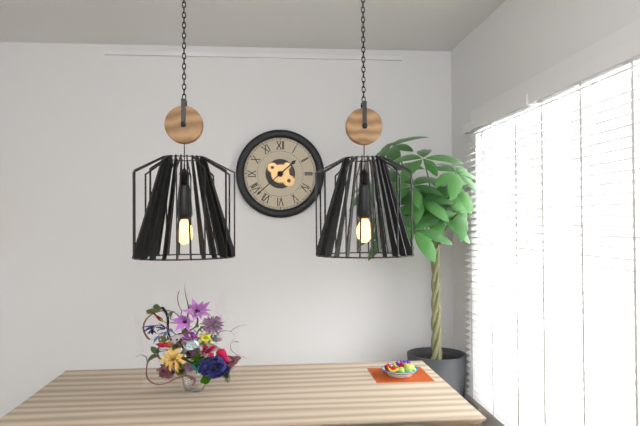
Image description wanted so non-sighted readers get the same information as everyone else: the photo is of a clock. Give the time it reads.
1:38
